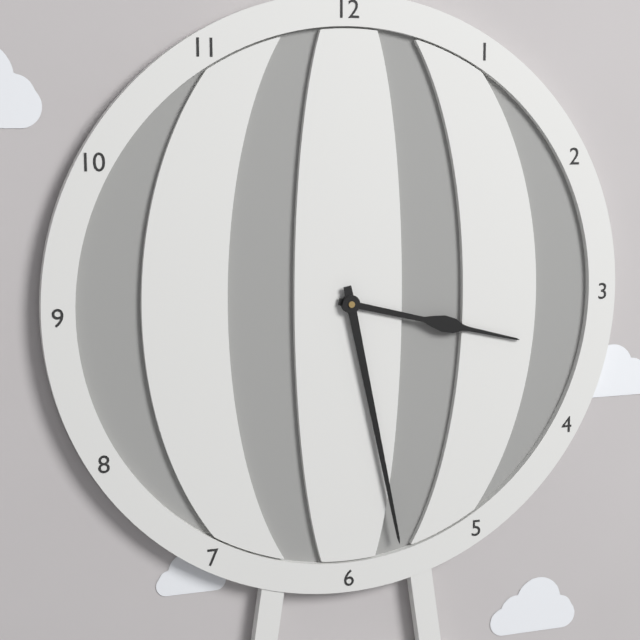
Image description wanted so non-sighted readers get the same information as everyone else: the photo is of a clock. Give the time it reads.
3:28
